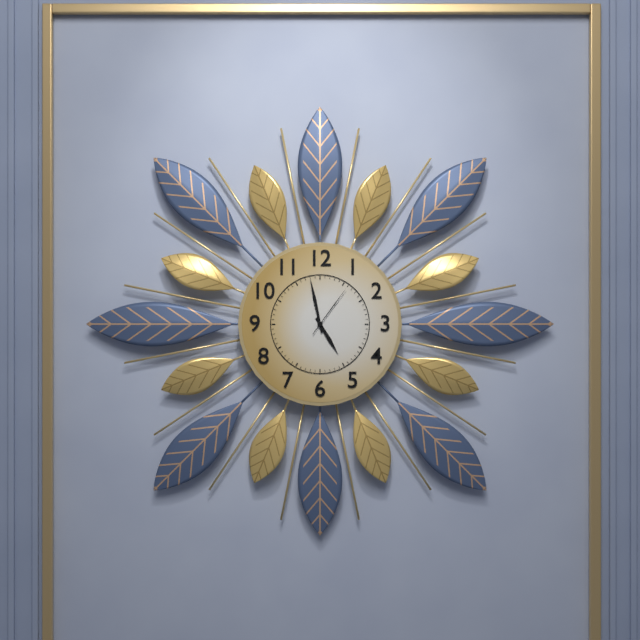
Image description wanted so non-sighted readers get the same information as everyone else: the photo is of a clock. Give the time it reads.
4:58:06
